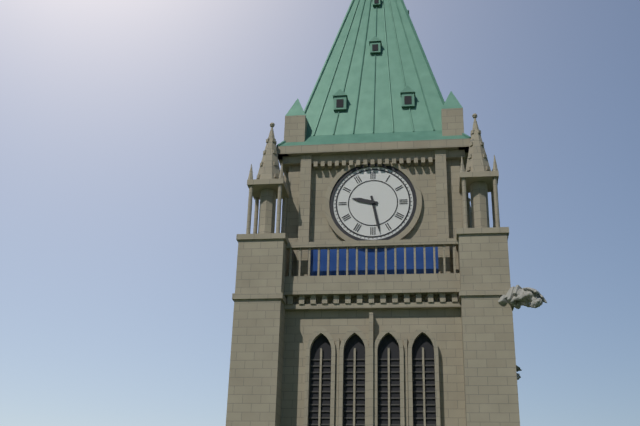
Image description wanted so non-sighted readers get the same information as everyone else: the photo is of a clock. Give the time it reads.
9:28
